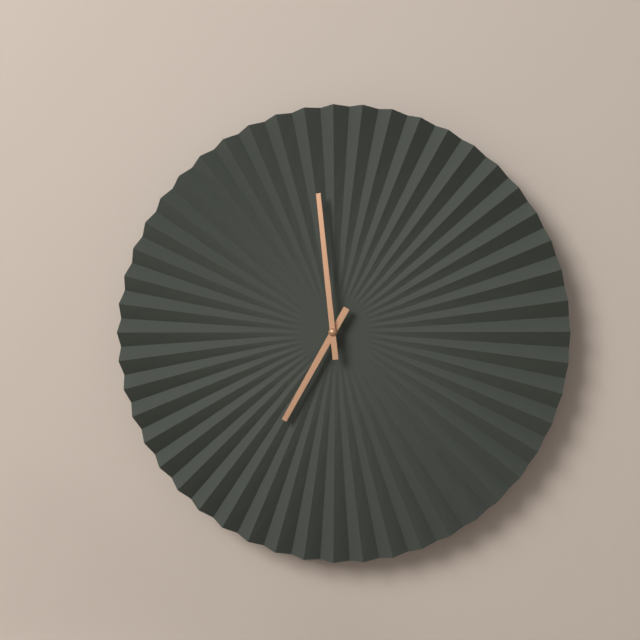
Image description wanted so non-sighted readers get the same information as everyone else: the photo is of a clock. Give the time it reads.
6:59
